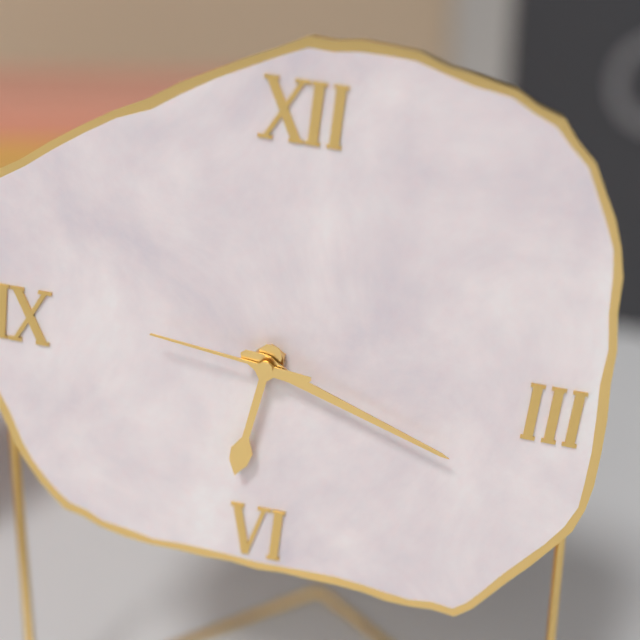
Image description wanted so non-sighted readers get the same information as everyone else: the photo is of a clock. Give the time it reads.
6:18:46
